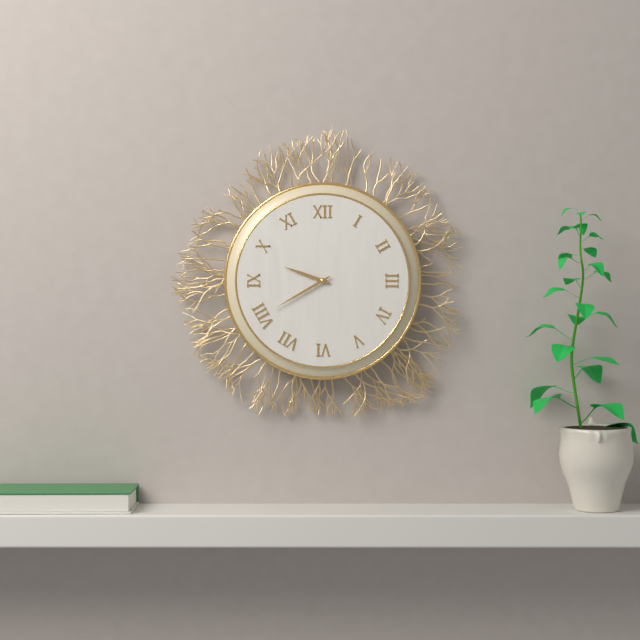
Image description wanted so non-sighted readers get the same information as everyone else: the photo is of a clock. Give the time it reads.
9:40
